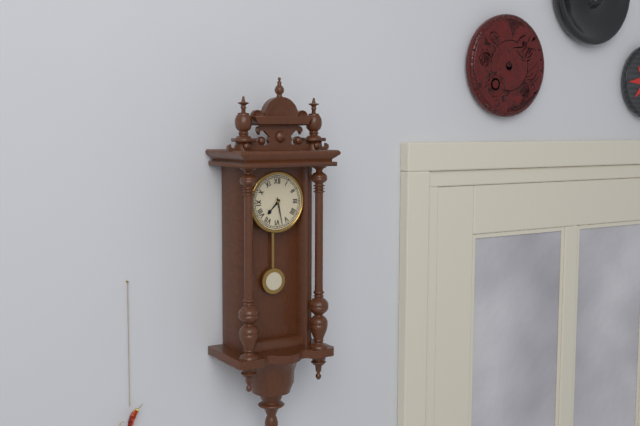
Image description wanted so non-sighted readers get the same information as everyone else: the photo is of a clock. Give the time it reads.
7:28
